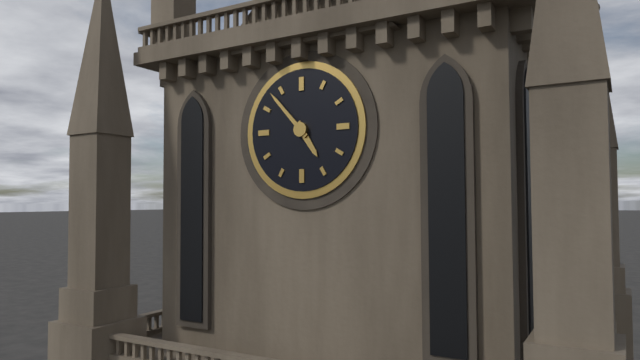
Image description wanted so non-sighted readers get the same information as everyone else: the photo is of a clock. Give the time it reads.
4:53
